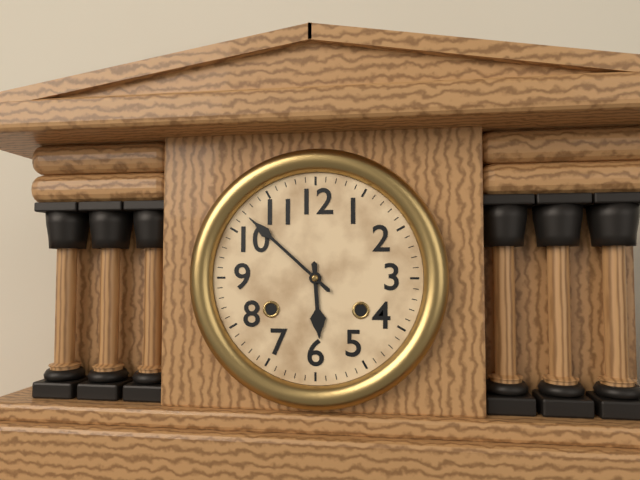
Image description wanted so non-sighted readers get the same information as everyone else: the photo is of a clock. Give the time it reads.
5:52
